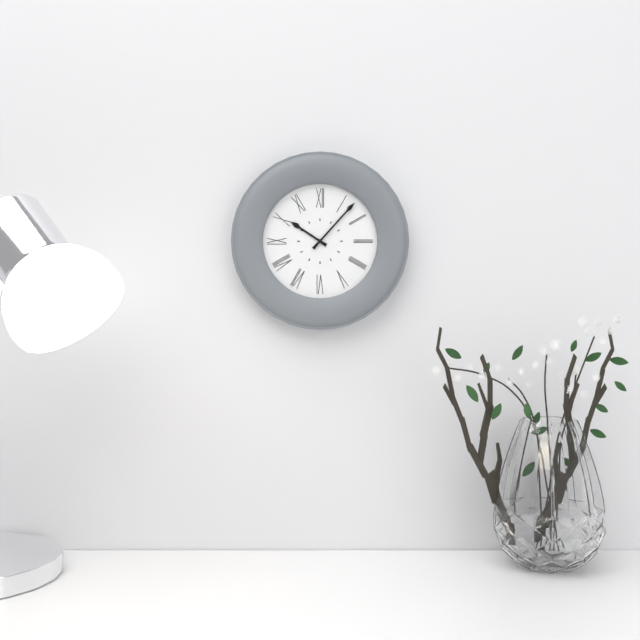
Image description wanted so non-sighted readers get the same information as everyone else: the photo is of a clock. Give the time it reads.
10:07
